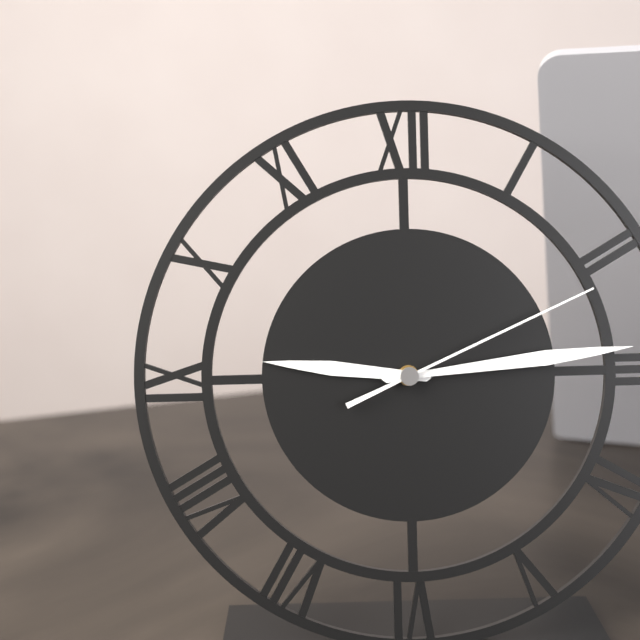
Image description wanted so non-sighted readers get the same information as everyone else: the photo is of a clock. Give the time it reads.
9:14:11
